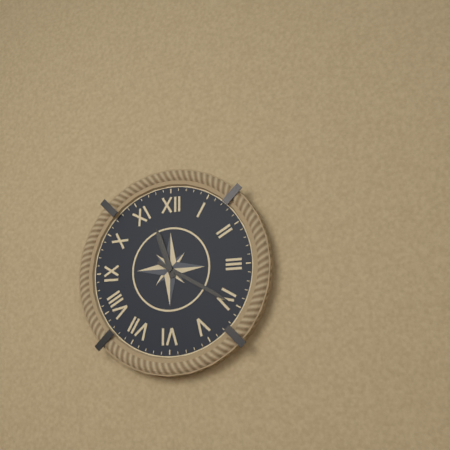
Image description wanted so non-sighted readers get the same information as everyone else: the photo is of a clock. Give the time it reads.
11:20
